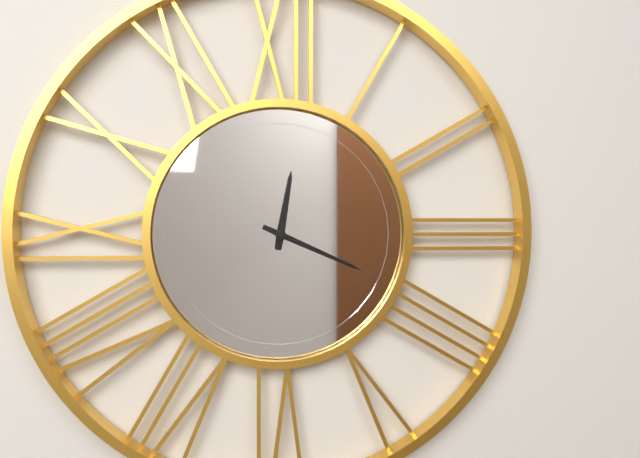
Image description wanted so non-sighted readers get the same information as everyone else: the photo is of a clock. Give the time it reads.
12:19
